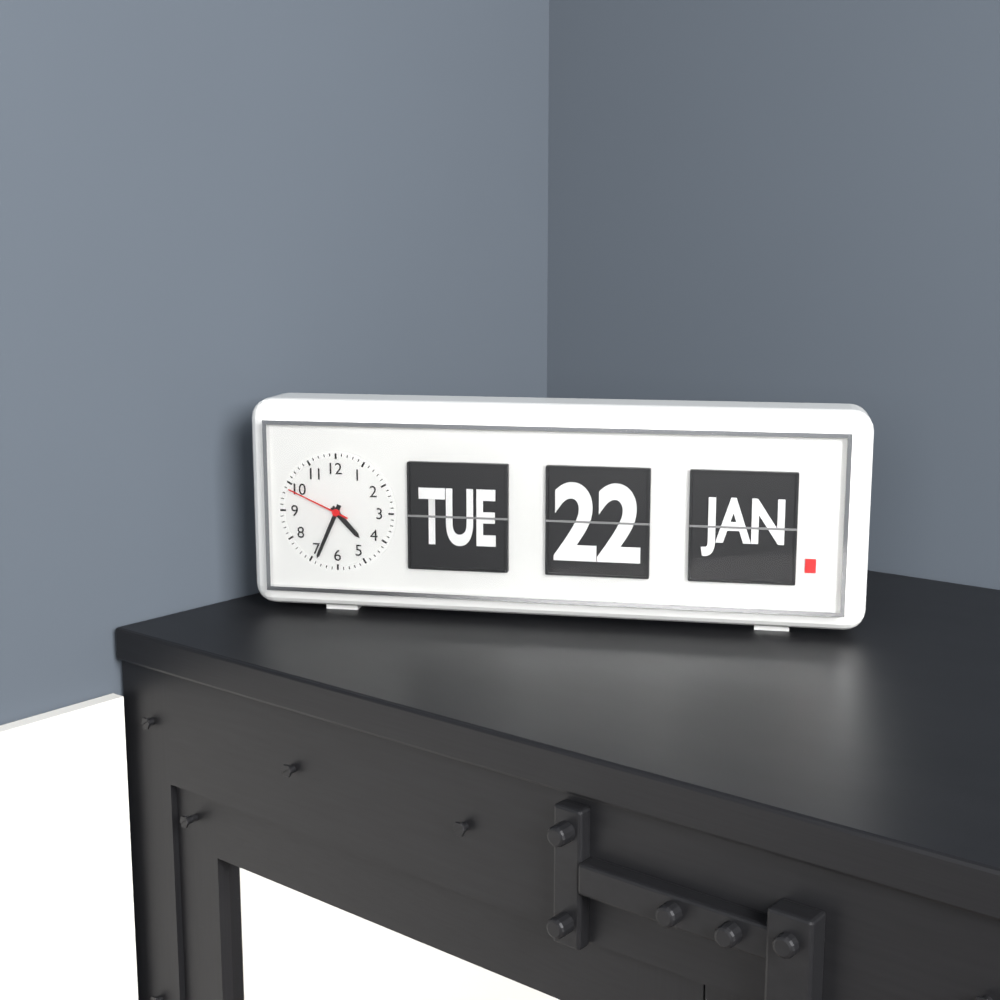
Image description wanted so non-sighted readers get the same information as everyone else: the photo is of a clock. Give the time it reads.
4:34:49
